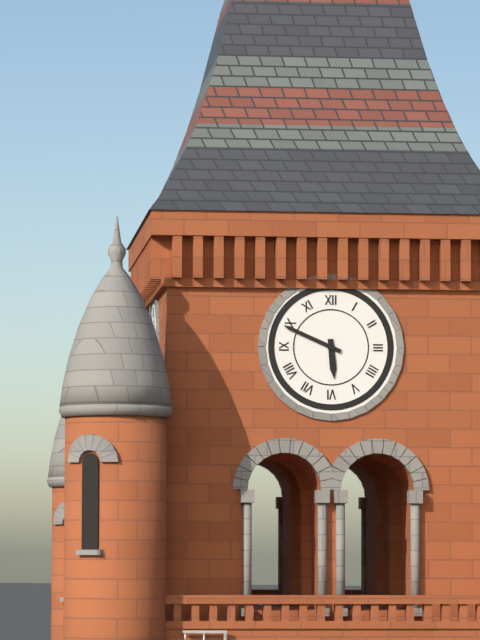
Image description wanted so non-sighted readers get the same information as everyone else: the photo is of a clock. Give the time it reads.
5:49
